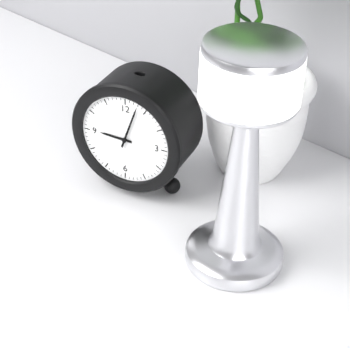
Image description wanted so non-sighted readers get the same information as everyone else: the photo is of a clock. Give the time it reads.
9:03
